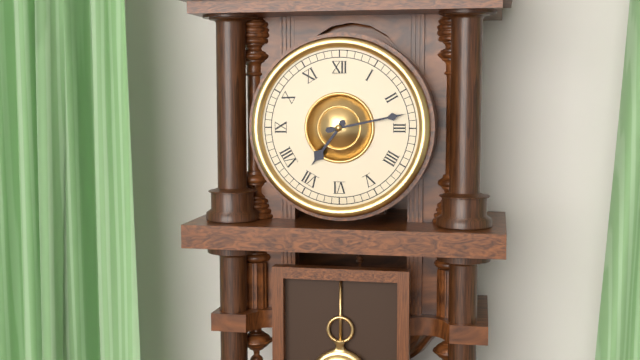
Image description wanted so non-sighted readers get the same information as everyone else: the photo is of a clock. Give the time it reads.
7:13
